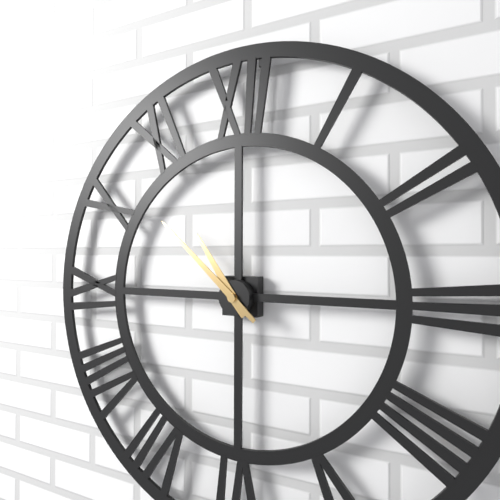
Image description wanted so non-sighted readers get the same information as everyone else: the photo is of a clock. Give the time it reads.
10:52
